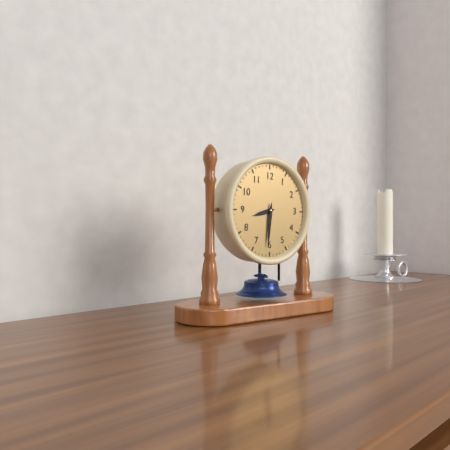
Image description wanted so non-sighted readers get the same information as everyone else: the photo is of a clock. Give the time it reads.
8:31
